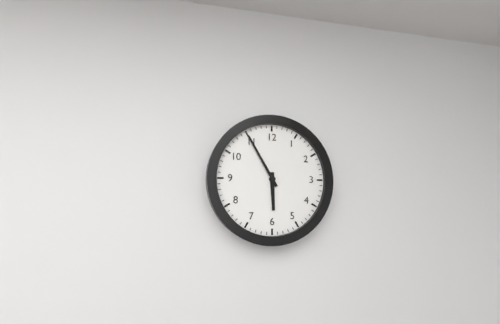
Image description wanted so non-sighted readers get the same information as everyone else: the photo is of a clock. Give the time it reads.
5:55
